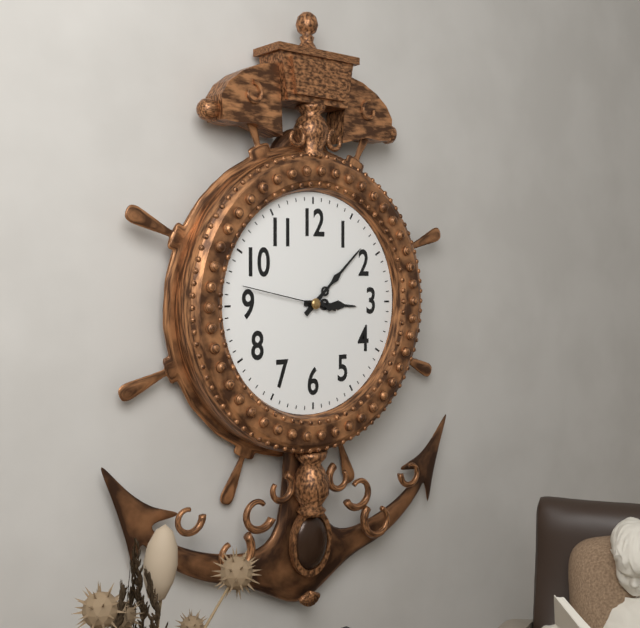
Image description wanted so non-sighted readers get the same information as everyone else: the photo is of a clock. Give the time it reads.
3:08:47
